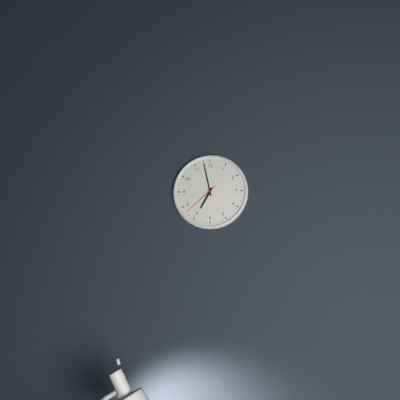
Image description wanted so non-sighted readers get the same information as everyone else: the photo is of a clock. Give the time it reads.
6:58
